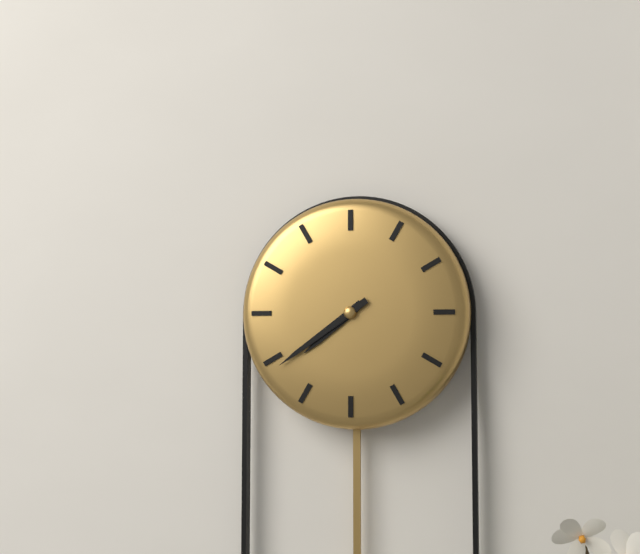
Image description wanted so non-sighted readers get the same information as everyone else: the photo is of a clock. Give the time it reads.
7:39
